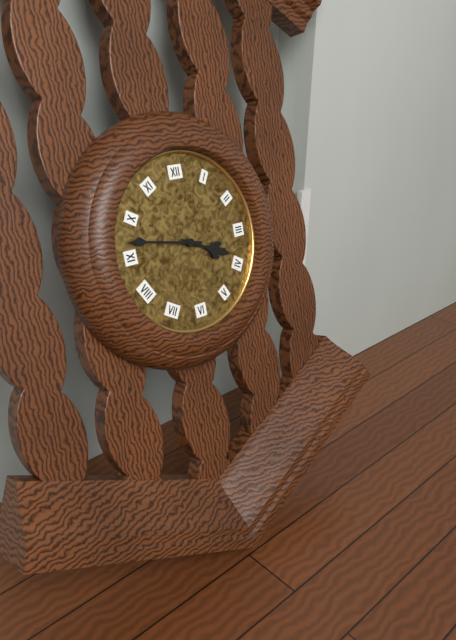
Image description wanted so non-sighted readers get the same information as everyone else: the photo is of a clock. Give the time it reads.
3:47
